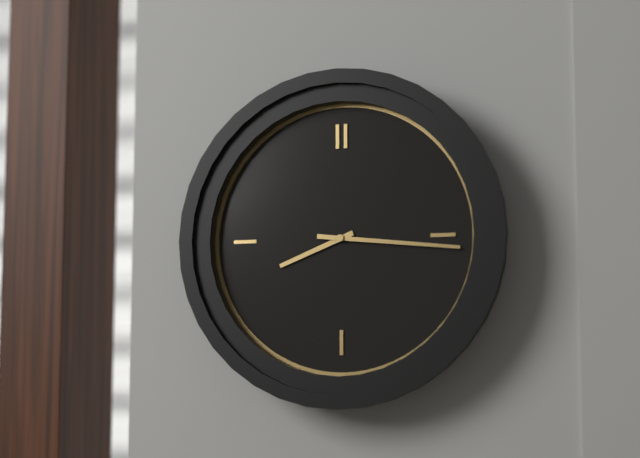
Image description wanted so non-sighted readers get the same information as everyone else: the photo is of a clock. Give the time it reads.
8:16
